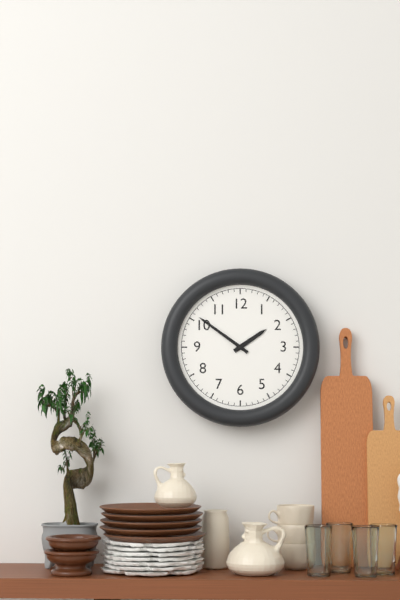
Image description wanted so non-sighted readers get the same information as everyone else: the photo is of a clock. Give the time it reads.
1:51
